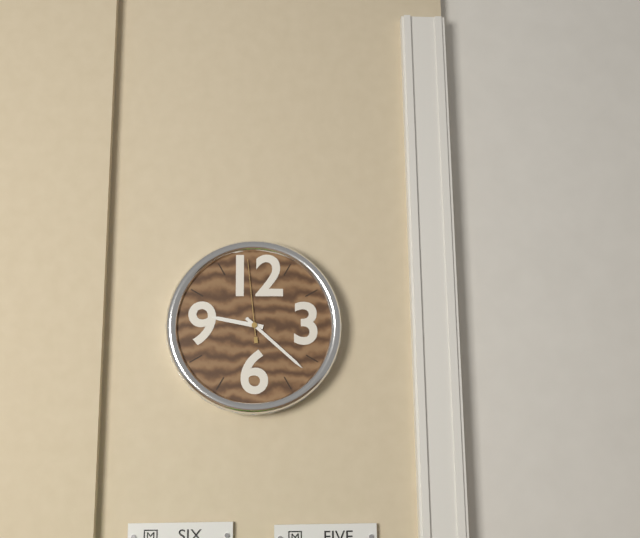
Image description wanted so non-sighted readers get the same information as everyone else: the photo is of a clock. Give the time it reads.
9:22:59
